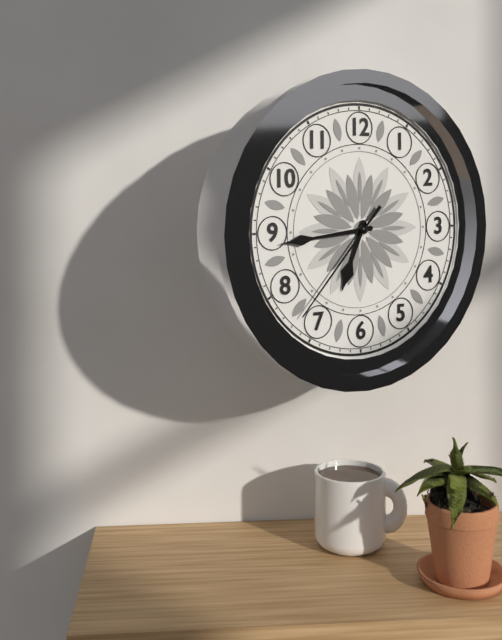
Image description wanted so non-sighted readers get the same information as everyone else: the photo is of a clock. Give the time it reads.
6:44:37
